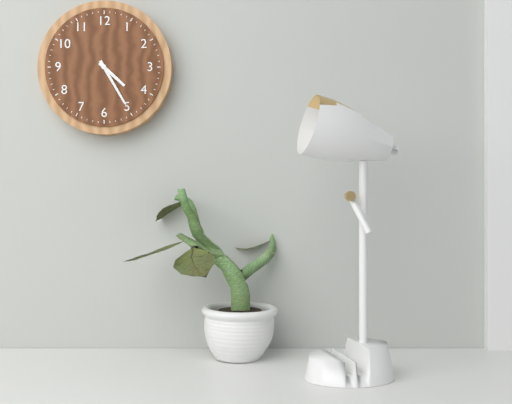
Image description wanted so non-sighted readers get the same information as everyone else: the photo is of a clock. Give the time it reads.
4:25
